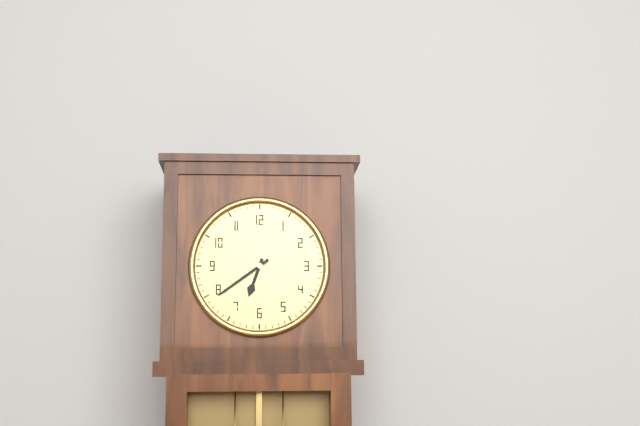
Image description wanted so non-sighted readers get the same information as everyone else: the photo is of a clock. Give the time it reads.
6:39
